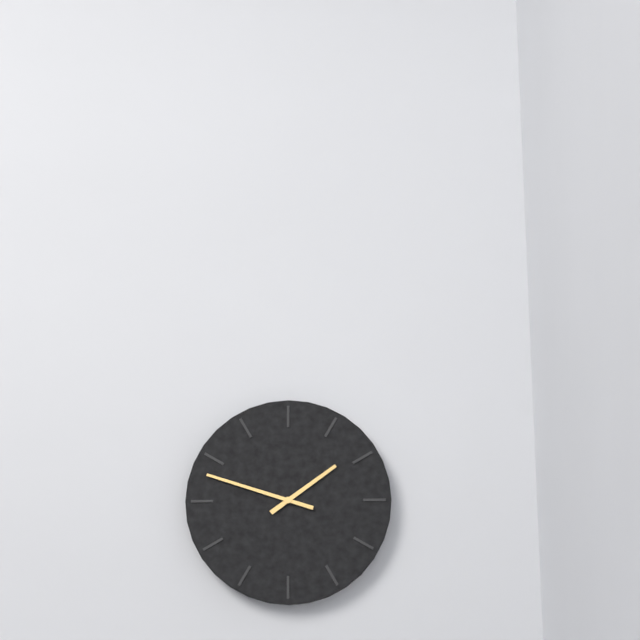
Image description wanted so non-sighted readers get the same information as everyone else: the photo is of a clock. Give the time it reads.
1:48
